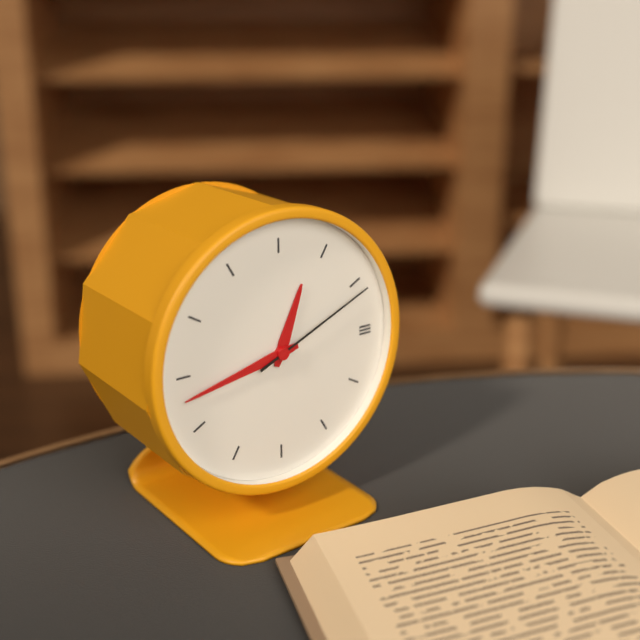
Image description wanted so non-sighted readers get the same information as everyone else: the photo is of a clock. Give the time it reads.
12:43:11
